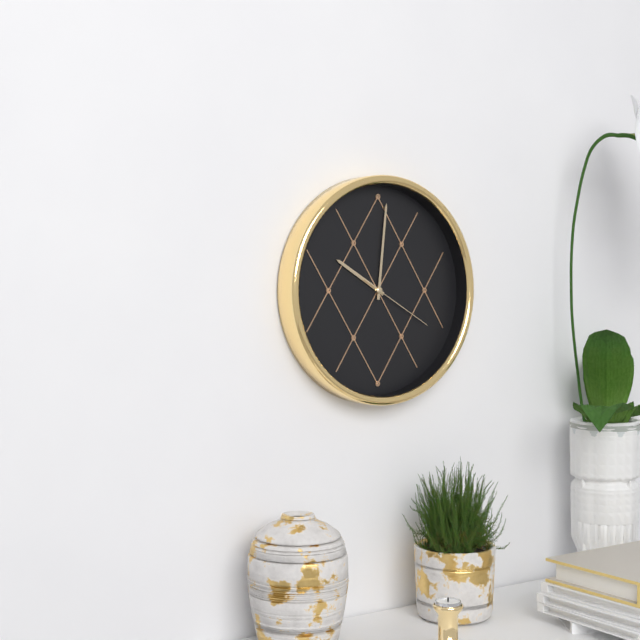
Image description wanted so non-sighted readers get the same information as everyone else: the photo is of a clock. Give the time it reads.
10:01:20
